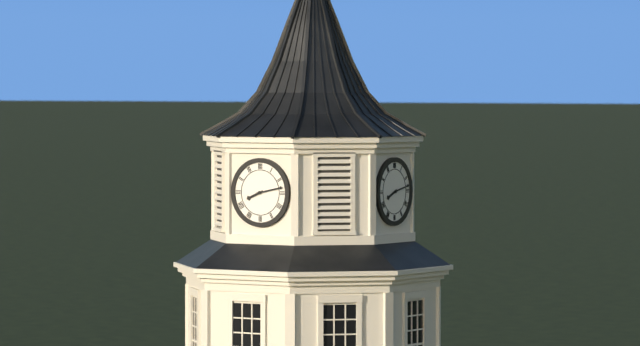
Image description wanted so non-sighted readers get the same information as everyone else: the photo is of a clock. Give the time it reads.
8:13
